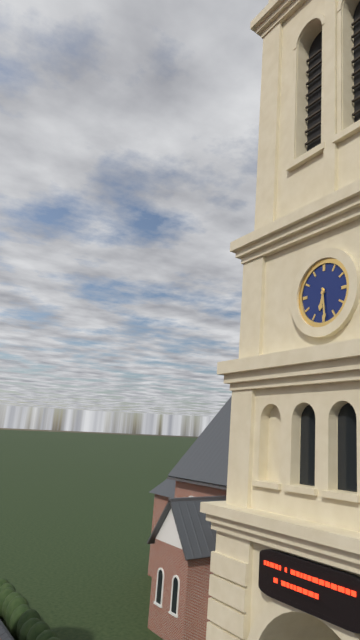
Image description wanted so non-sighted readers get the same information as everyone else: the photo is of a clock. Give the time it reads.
6:29
